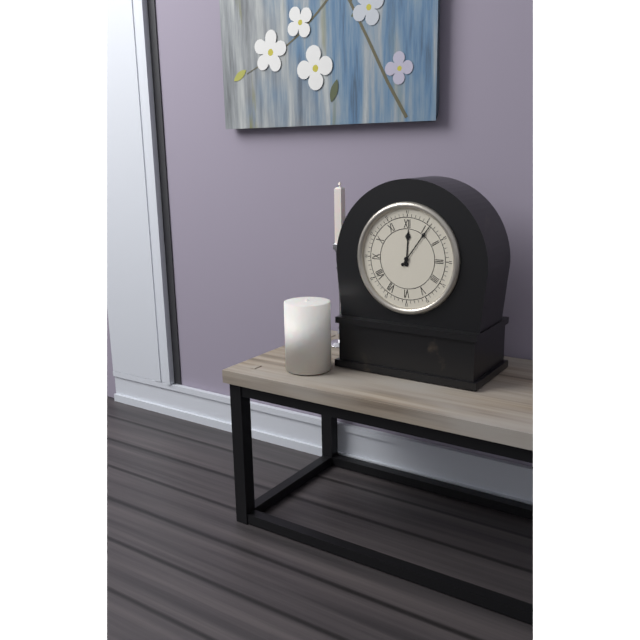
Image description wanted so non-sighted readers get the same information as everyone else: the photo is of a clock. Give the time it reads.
12:06
